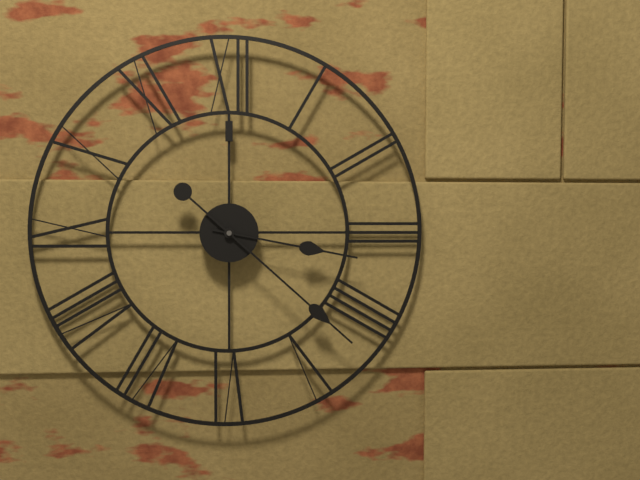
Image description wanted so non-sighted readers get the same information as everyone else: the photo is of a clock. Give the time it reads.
3:22
